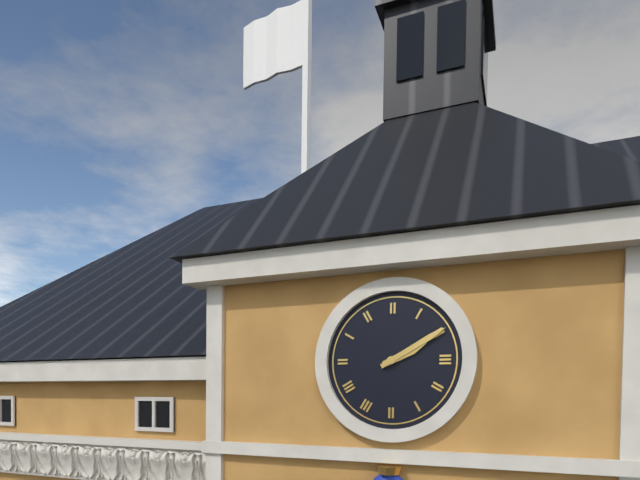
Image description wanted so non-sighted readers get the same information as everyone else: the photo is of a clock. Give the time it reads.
2:10
